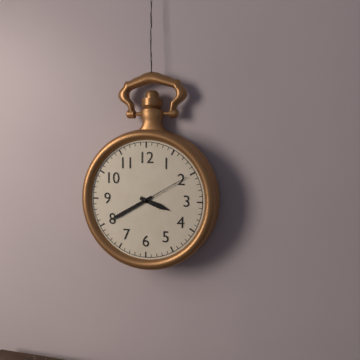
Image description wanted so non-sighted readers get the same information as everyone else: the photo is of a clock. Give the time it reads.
3:40:10
